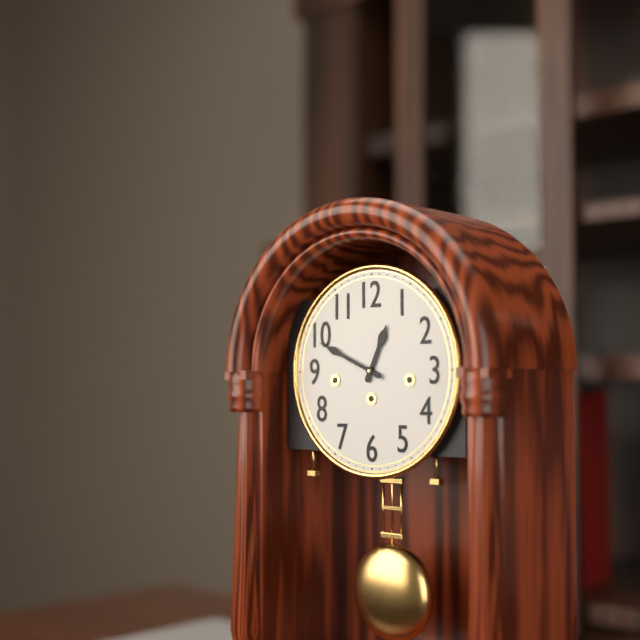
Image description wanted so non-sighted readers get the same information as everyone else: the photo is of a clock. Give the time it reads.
12:49
